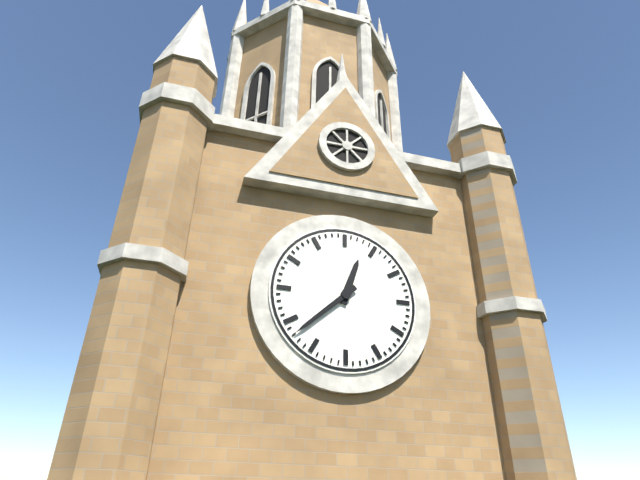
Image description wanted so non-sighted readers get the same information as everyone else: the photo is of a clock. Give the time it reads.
12:38
